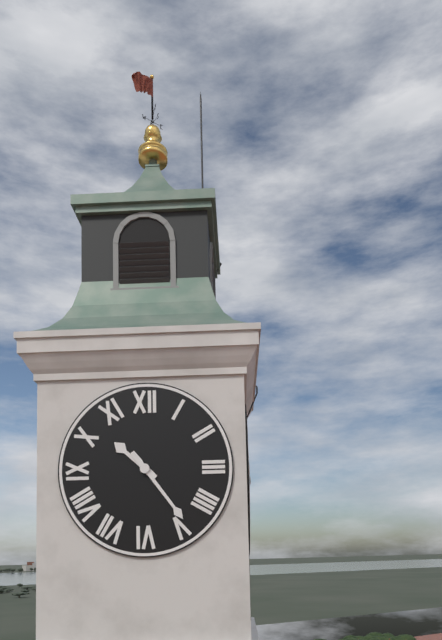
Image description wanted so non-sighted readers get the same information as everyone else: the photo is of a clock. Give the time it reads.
10:24
